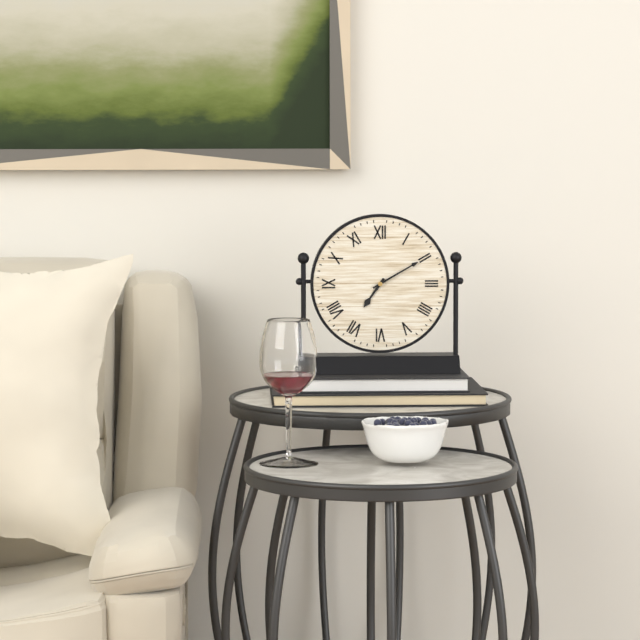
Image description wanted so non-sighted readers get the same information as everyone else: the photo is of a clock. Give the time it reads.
7:10
